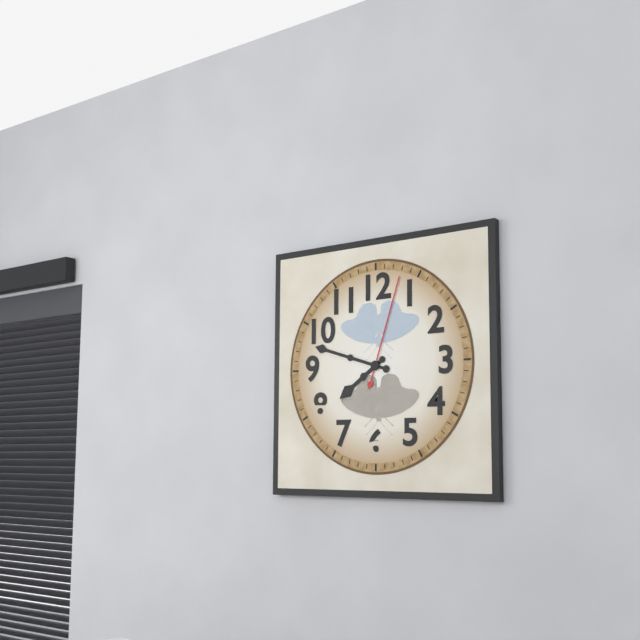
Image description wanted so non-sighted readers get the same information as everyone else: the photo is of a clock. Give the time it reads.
7:48:03
